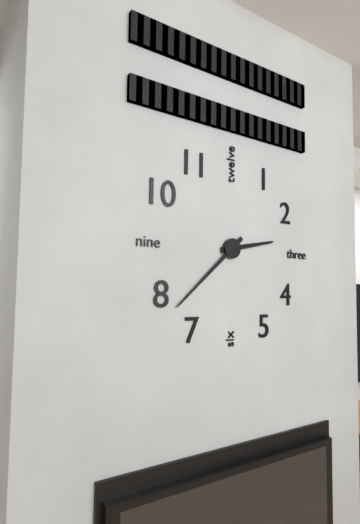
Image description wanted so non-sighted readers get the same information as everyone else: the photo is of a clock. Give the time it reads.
2:38
